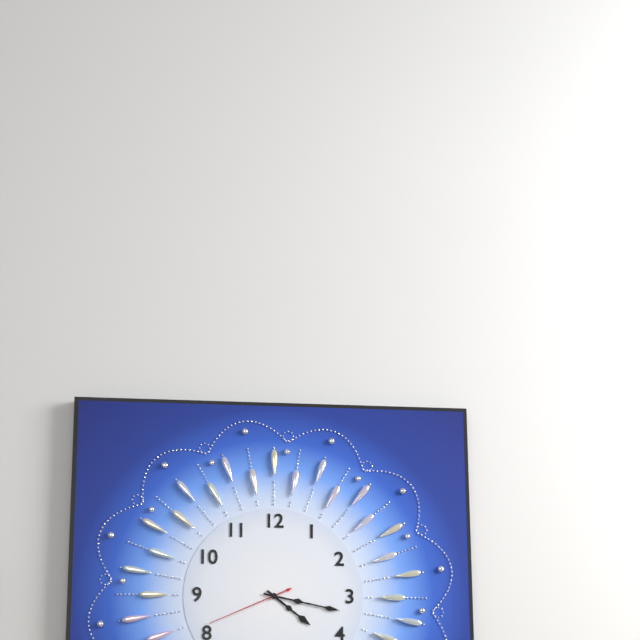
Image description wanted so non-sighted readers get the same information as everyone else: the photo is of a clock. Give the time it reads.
4:17:41
